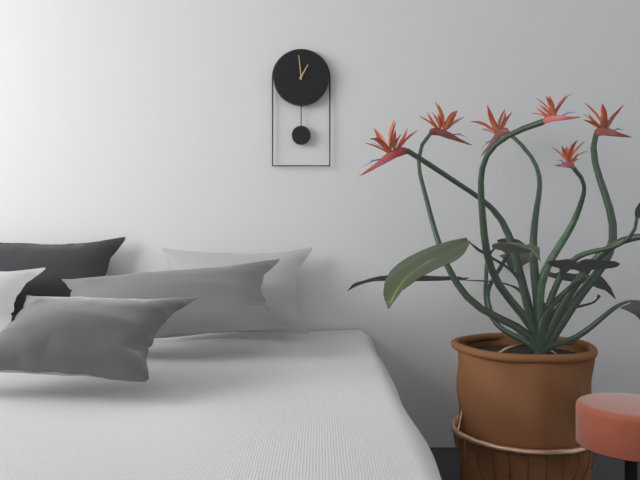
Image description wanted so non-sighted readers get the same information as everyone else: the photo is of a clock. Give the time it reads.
12:59
